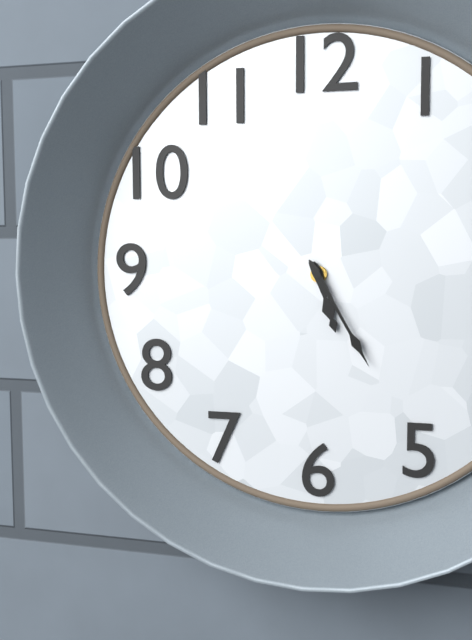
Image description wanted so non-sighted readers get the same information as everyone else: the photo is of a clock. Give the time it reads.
5:25
